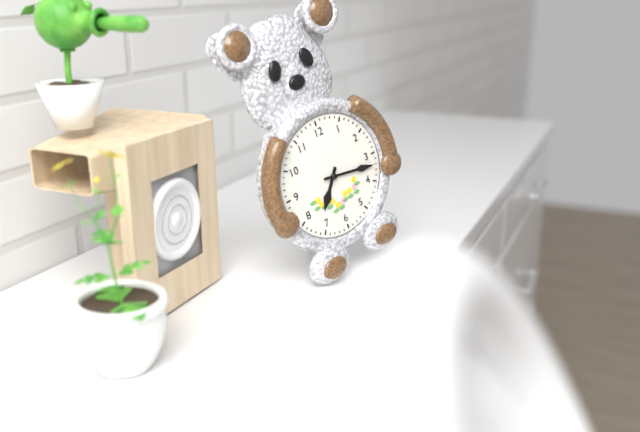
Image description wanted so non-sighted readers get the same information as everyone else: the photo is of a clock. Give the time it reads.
7:17
